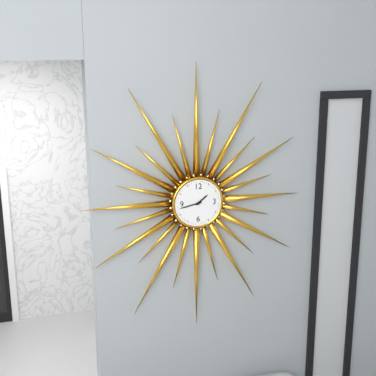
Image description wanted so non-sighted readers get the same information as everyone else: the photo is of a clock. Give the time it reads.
1:43
